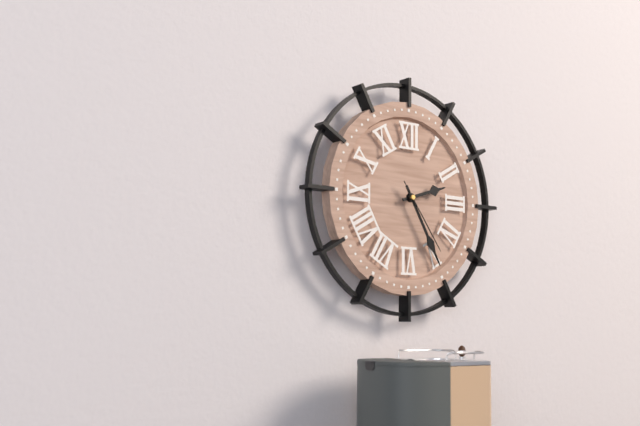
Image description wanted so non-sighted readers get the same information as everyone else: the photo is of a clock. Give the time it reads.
2:25:24
